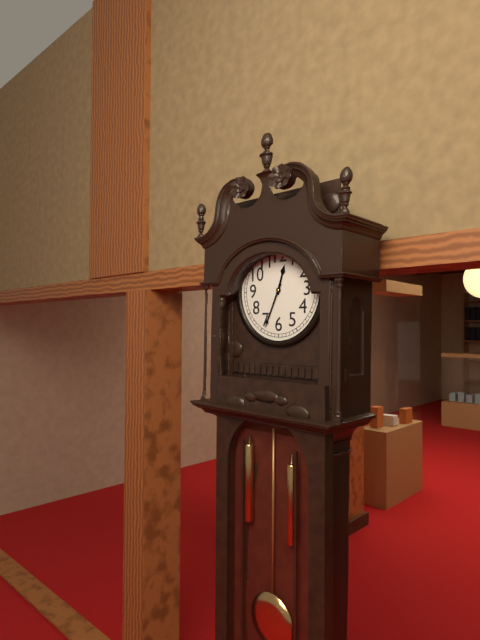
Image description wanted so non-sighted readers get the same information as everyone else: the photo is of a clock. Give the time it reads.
12:34
